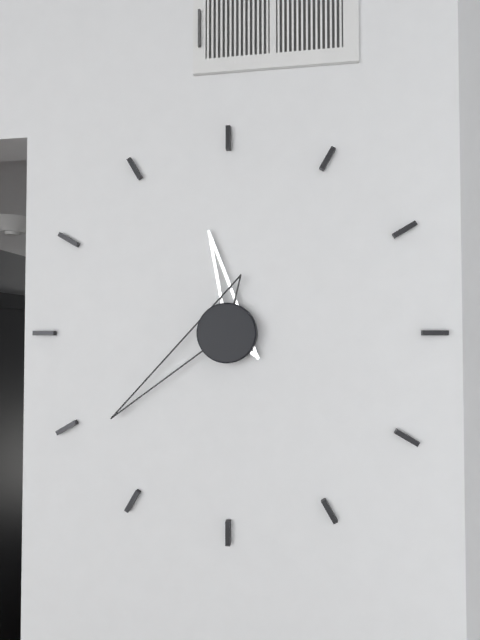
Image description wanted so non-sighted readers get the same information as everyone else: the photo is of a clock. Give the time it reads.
11:39
